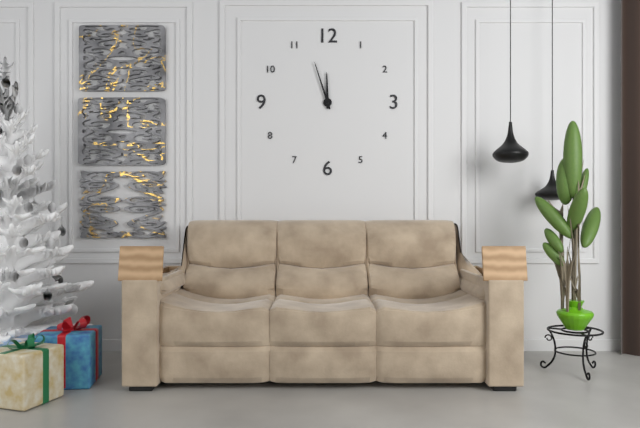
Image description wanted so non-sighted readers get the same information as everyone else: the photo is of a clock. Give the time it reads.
11:57
